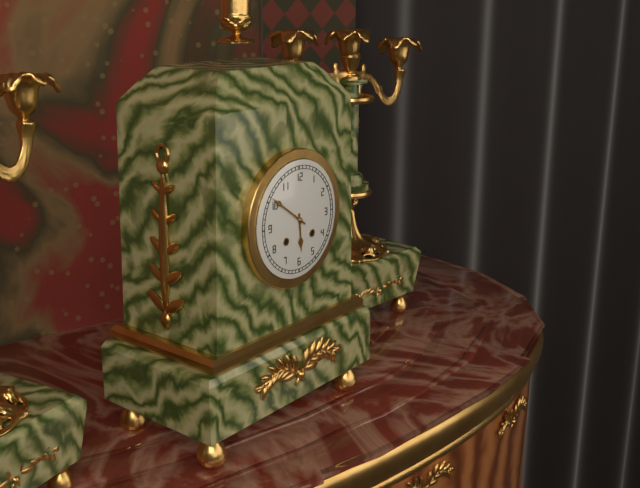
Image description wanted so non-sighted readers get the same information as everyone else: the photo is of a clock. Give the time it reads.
5:51
